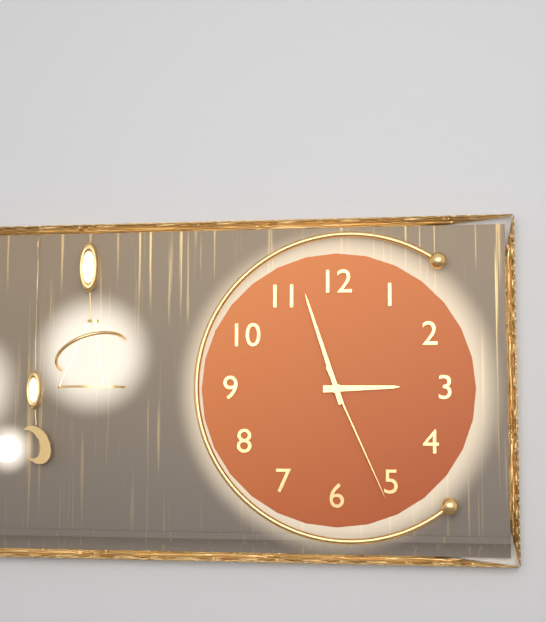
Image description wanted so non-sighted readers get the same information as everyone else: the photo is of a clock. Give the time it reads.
2:57:26
